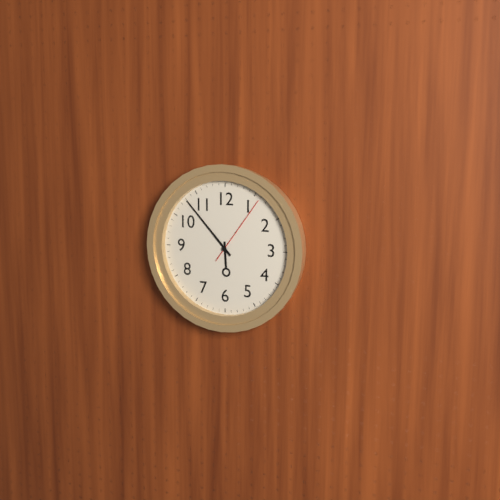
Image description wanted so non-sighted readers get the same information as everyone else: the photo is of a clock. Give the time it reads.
5:53:06
